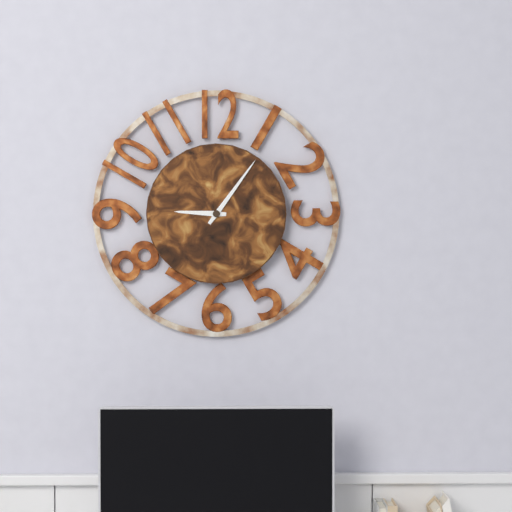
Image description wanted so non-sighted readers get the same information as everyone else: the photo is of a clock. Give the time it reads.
9:06
